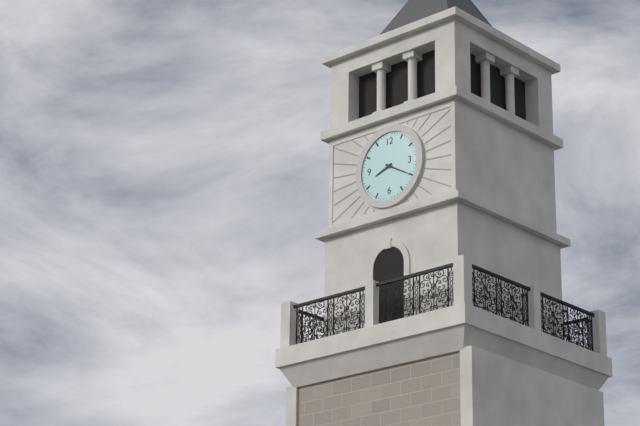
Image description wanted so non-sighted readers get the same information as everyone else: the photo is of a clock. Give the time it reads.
8:20
